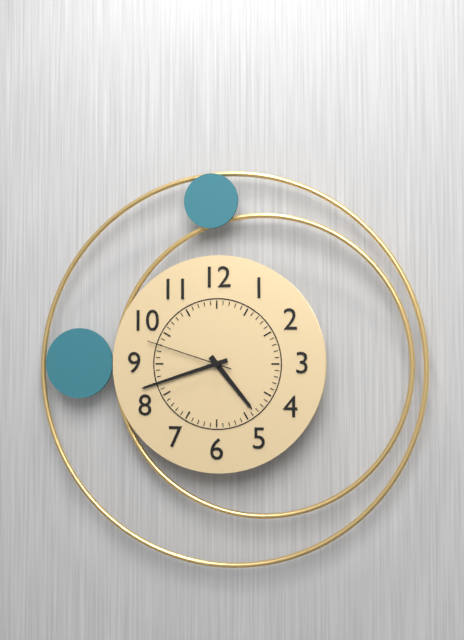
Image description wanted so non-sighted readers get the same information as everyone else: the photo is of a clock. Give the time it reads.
4:42:48
